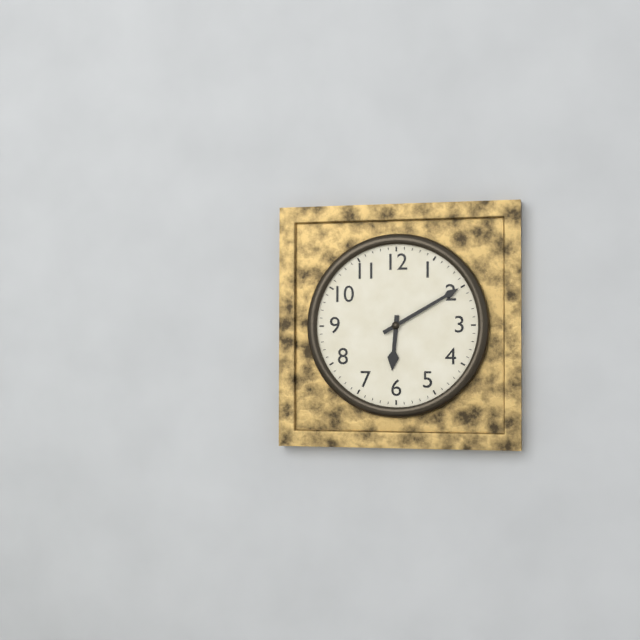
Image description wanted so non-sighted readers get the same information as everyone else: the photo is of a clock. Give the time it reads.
6:10
